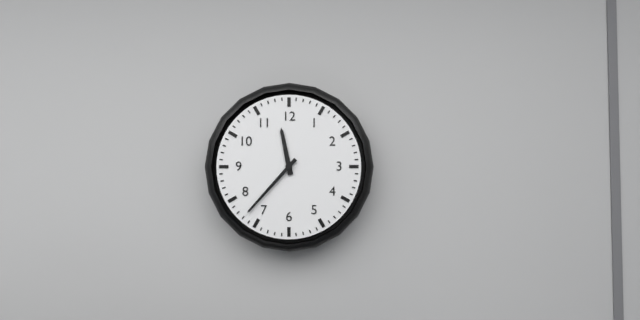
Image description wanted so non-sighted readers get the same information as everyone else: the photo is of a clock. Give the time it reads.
11:37
